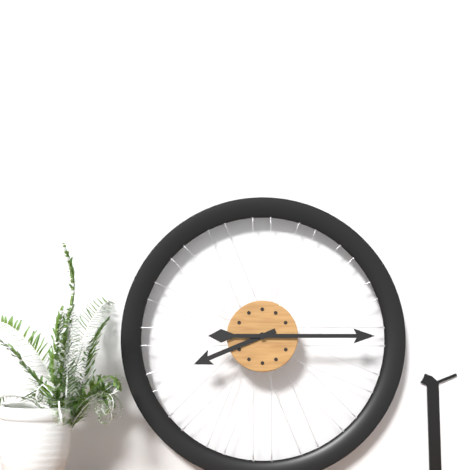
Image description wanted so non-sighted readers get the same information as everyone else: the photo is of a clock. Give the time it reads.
8:15
